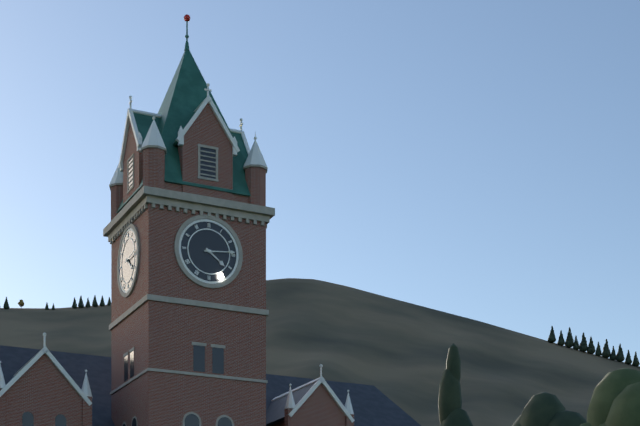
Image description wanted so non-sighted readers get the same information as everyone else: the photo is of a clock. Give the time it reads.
4:14
